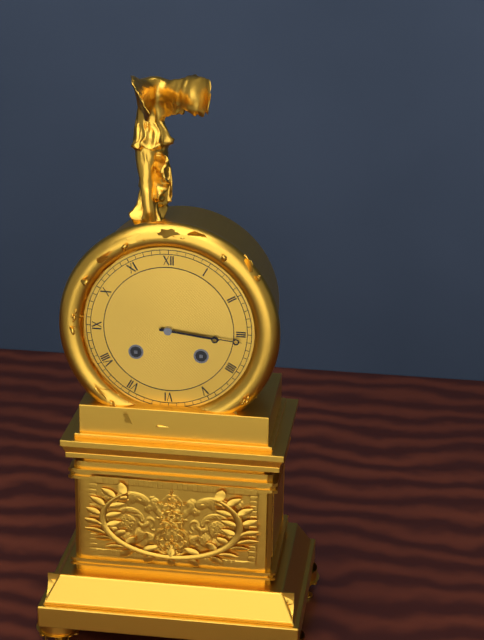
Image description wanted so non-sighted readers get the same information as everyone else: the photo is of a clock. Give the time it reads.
3:16
